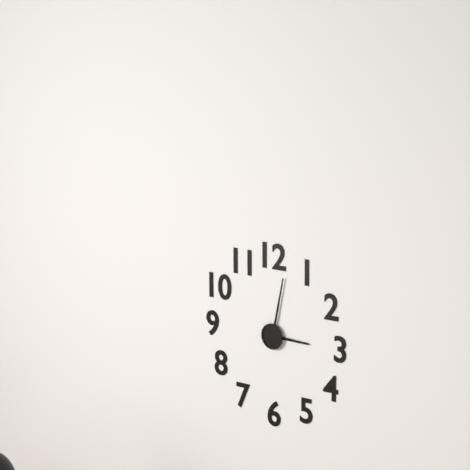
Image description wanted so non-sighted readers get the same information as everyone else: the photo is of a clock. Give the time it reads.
3:02
